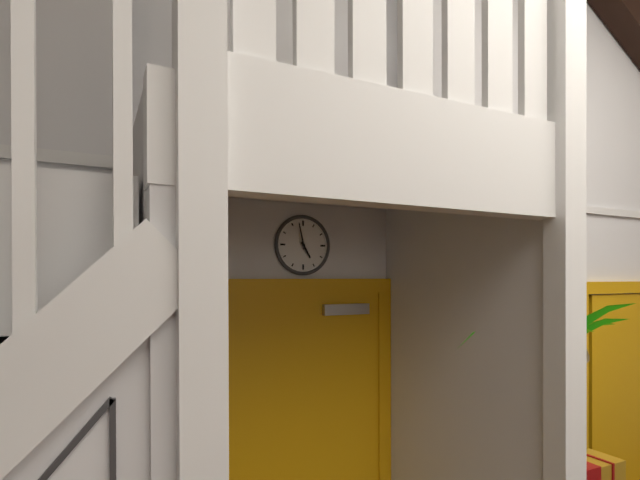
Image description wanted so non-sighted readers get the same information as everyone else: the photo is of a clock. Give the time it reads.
4:58
